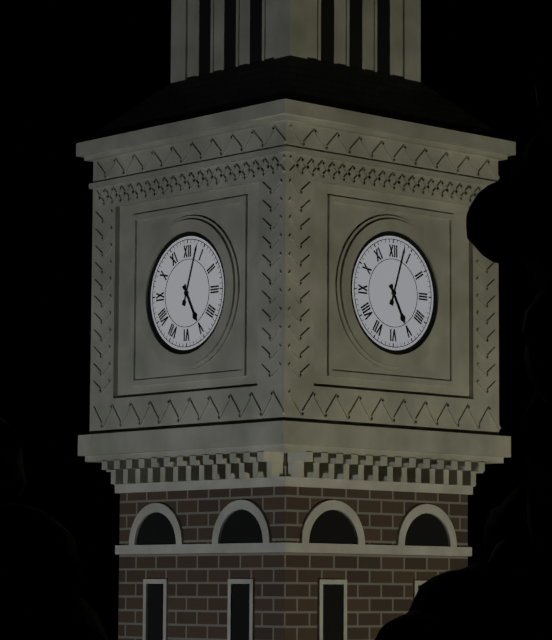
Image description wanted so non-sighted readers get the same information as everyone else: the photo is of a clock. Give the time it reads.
5:03
